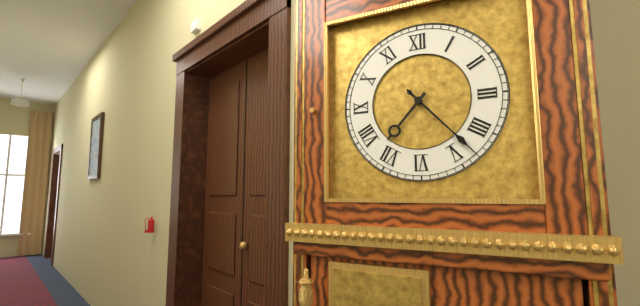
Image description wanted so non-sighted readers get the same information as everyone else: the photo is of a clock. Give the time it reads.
7:23
